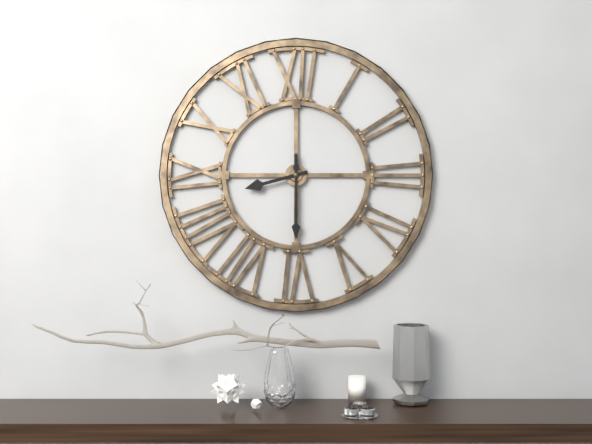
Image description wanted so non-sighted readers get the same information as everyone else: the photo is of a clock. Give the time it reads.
8:30
